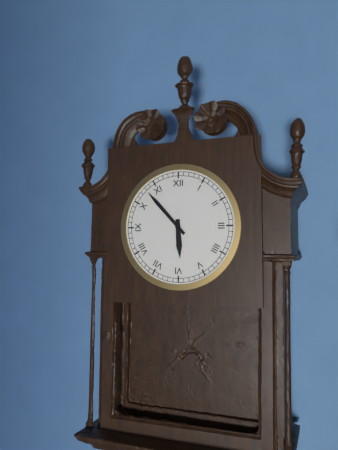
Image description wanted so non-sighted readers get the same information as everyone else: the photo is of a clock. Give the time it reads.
5:53
